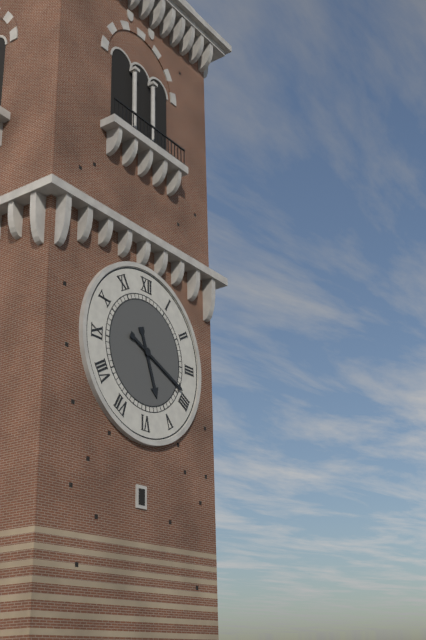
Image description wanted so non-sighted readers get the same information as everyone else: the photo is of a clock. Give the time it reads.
5:19
